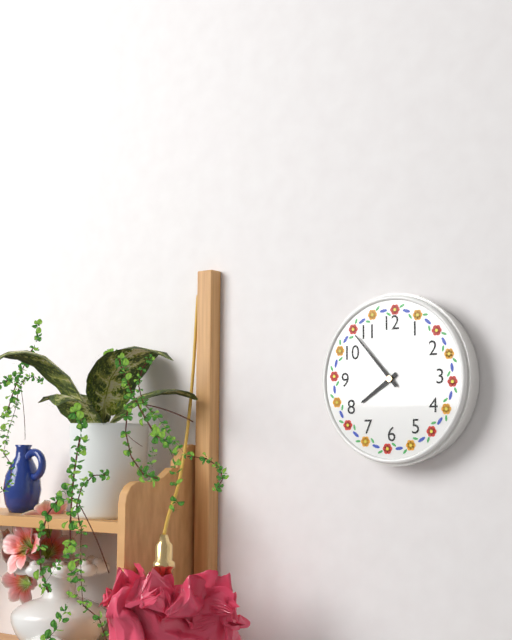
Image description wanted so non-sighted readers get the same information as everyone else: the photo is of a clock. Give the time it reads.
7:53
